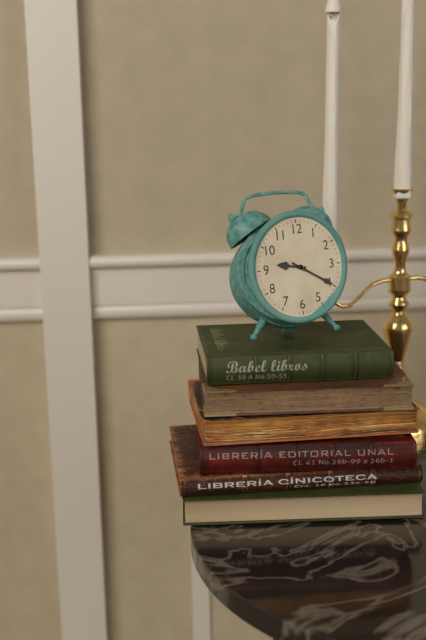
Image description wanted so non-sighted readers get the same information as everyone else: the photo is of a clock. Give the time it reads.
9:20
